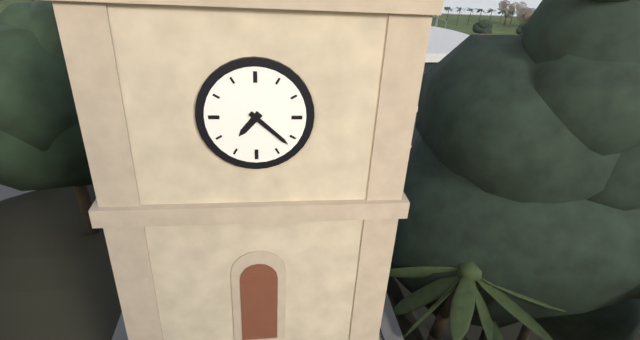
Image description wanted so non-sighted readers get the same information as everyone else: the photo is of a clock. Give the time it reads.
7:22
